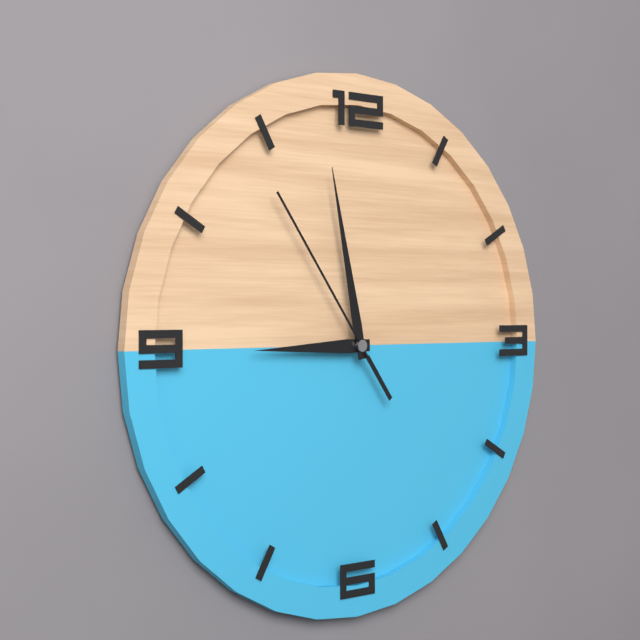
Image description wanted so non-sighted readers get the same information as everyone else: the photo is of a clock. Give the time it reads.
8:58:54
